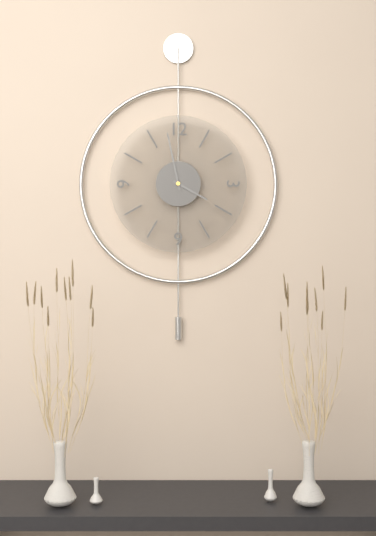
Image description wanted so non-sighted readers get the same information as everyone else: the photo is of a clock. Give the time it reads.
3:58
